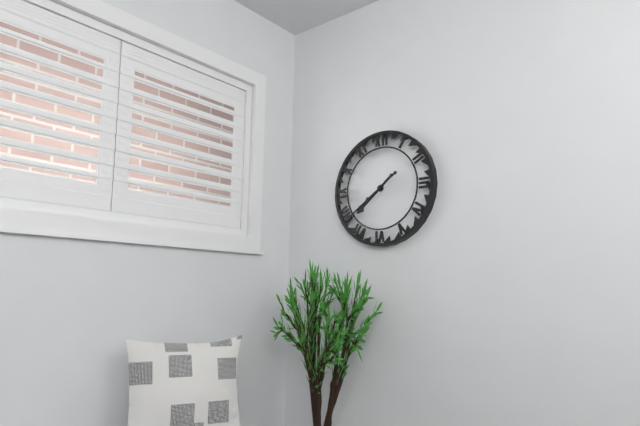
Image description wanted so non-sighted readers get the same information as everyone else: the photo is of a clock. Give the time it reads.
7:39
